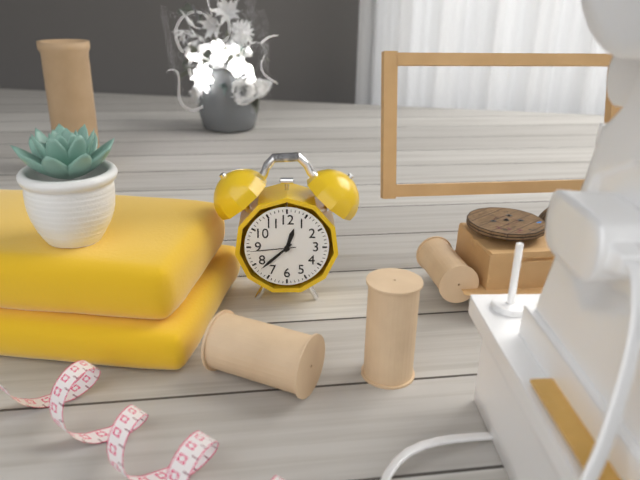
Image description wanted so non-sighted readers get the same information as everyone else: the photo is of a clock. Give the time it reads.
12:38
